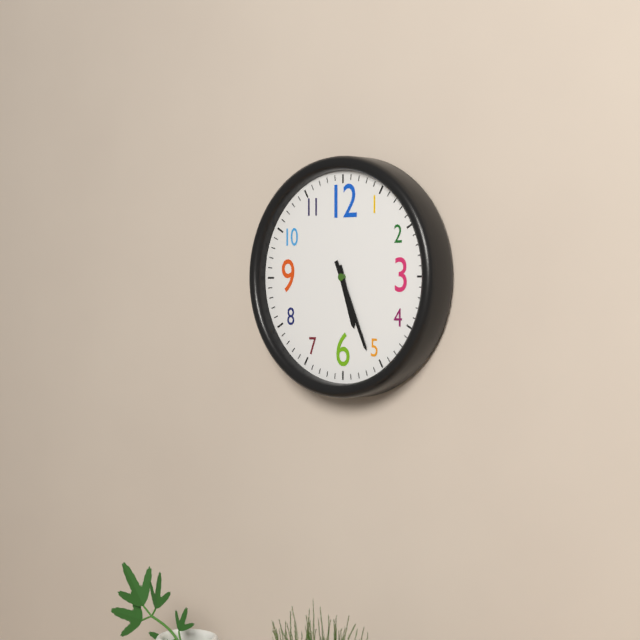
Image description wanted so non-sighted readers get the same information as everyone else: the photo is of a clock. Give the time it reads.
5:26
